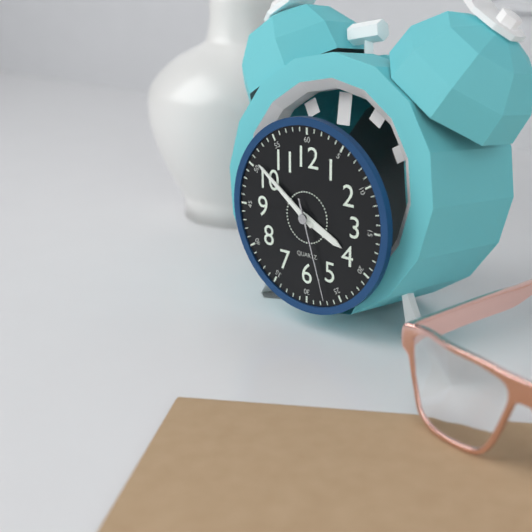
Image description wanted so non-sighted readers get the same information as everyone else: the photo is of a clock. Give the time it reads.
3:51:27
